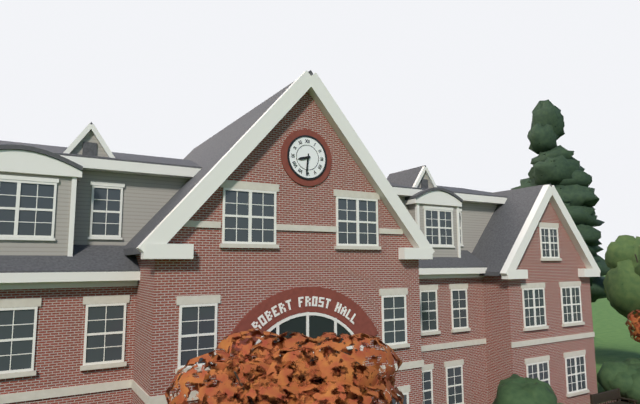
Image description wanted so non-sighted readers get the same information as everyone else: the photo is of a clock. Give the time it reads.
8:31
